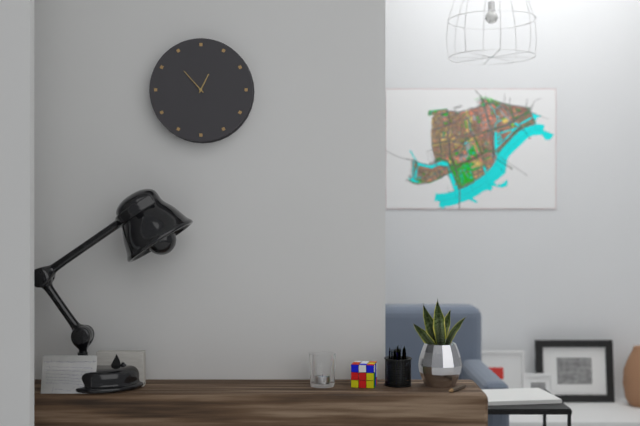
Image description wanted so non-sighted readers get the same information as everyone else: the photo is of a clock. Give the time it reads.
12:53
